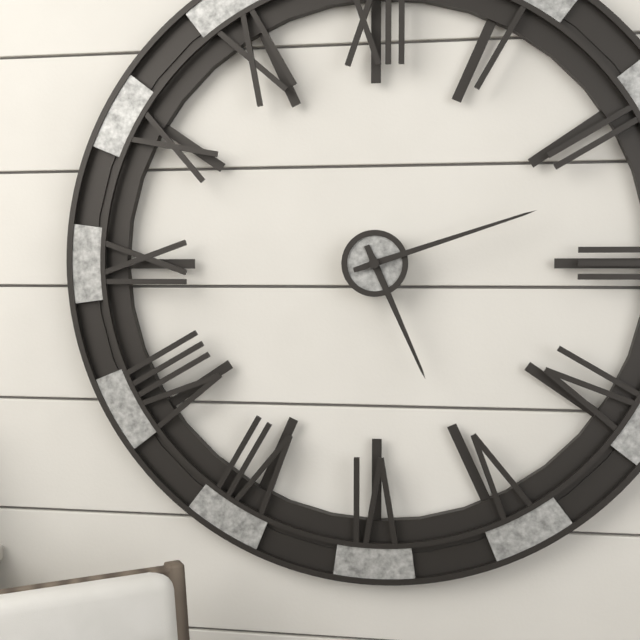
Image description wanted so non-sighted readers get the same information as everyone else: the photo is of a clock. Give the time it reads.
5:12
